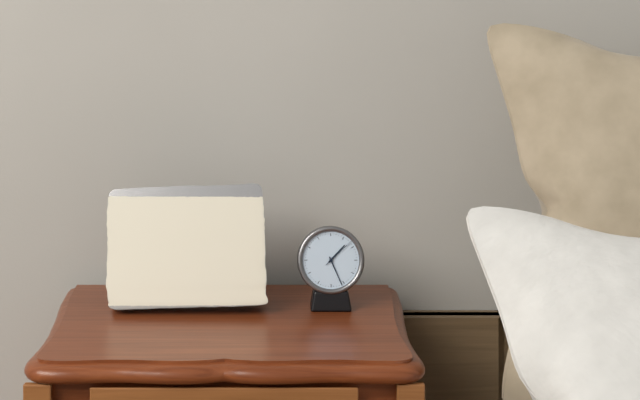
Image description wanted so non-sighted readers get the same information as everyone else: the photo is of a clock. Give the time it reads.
1:26
